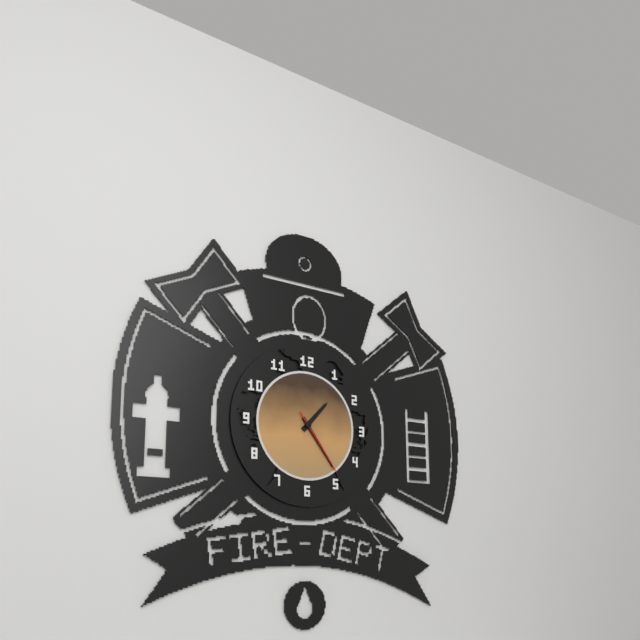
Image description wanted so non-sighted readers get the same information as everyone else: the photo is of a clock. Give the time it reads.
1:24:24
